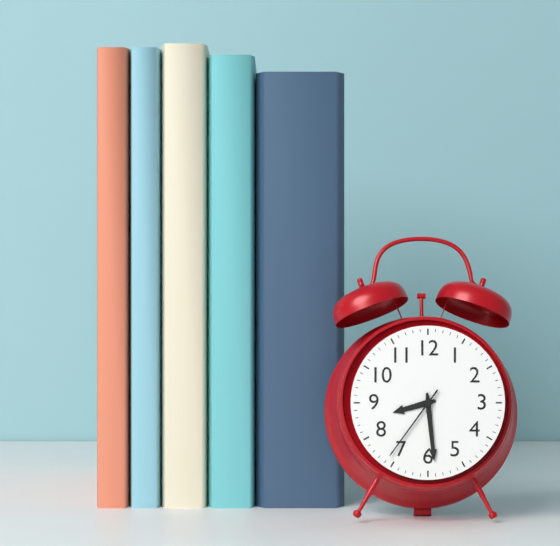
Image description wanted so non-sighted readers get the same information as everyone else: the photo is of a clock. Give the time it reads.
8:29:36
